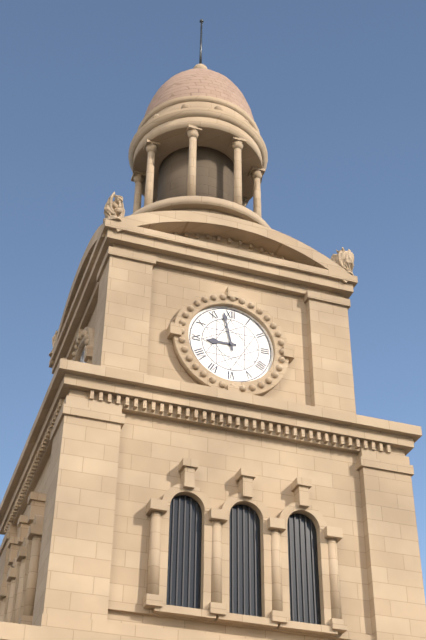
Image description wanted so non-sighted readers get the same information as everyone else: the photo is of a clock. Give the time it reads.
8:58
